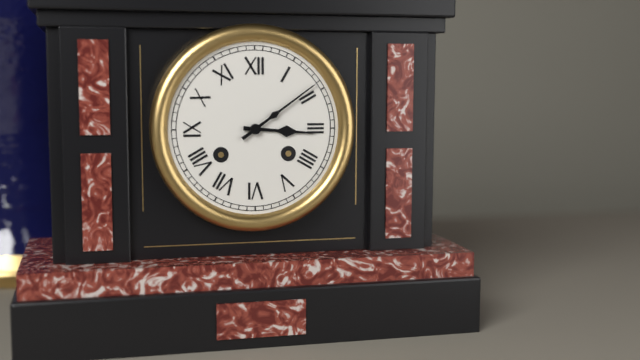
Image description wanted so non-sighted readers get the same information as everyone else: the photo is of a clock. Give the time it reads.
3:09
